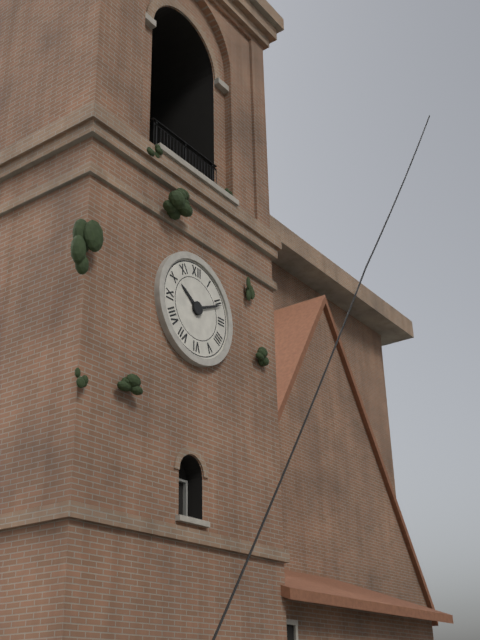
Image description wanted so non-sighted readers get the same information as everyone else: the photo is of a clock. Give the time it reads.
10:11
